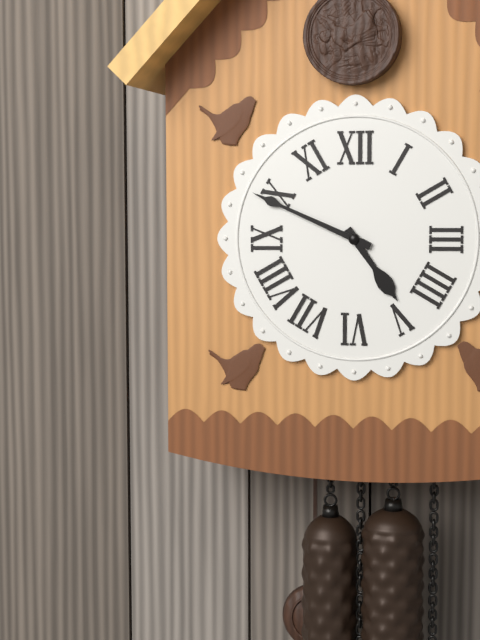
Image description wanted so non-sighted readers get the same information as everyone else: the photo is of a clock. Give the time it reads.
4:49
